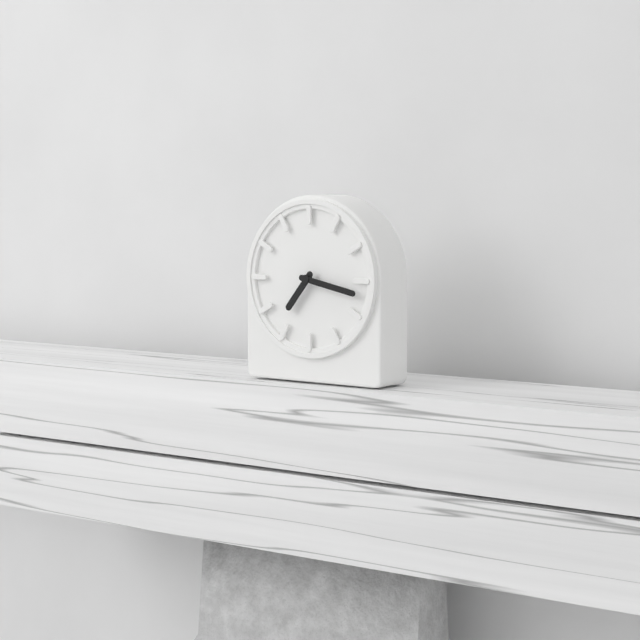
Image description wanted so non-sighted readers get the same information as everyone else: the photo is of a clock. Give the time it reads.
7:17
